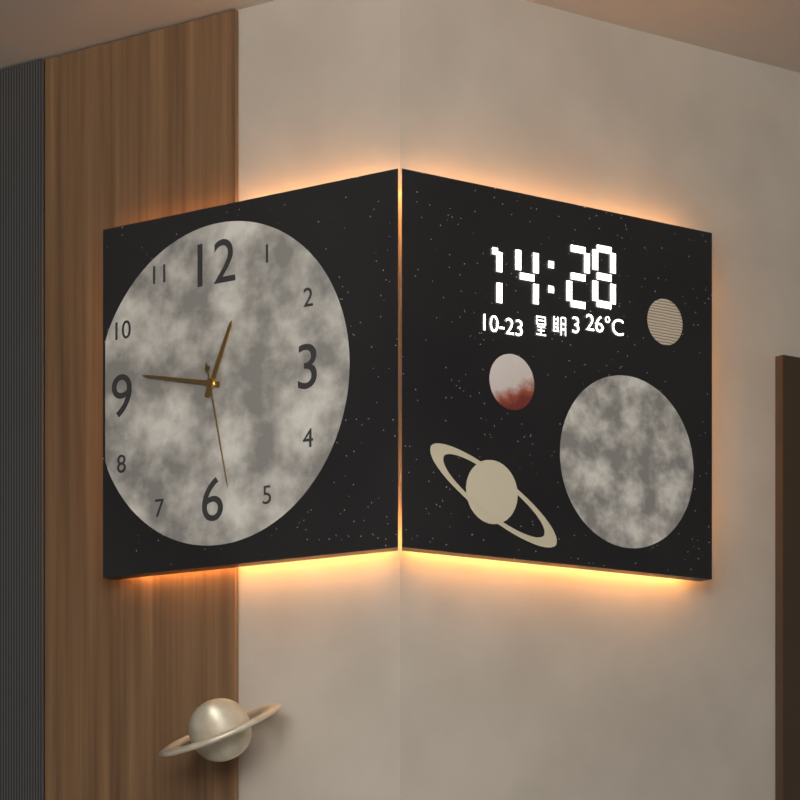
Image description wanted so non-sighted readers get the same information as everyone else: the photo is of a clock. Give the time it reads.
12:47:28
